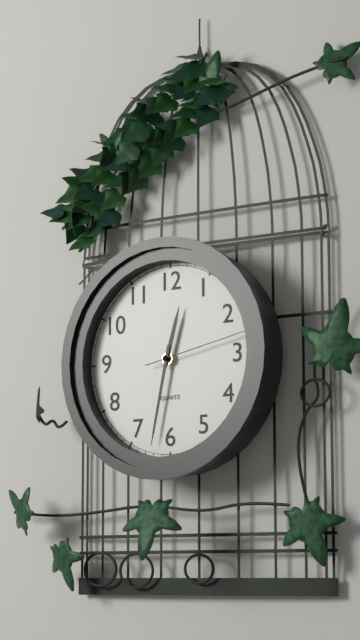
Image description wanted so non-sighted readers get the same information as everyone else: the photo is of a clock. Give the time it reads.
12:32:13
